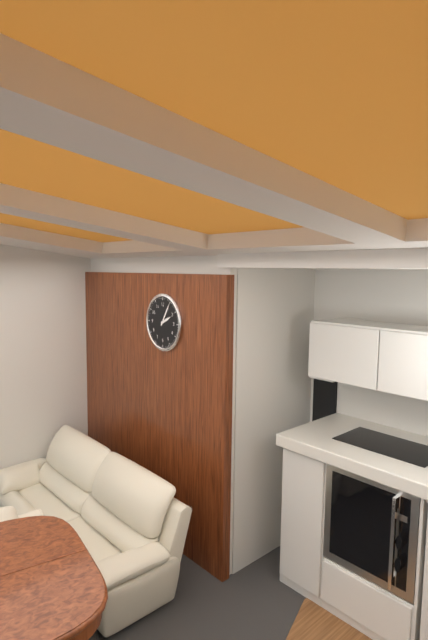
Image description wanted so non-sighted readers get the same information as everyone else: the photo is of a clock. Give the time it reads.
2:05
